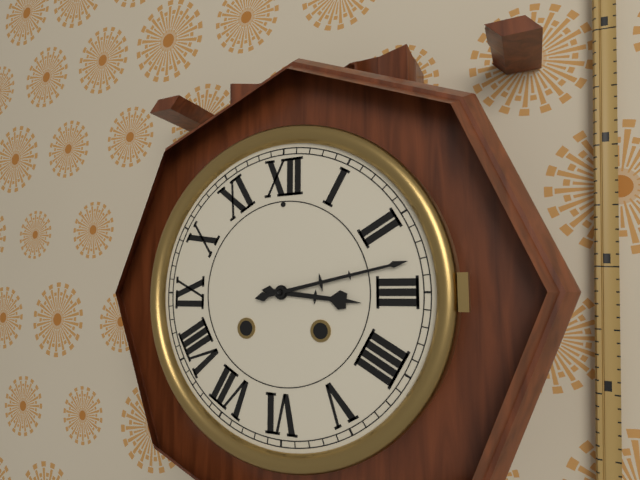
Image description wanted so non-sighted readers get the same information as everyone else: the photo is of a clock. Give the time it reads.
3:13
